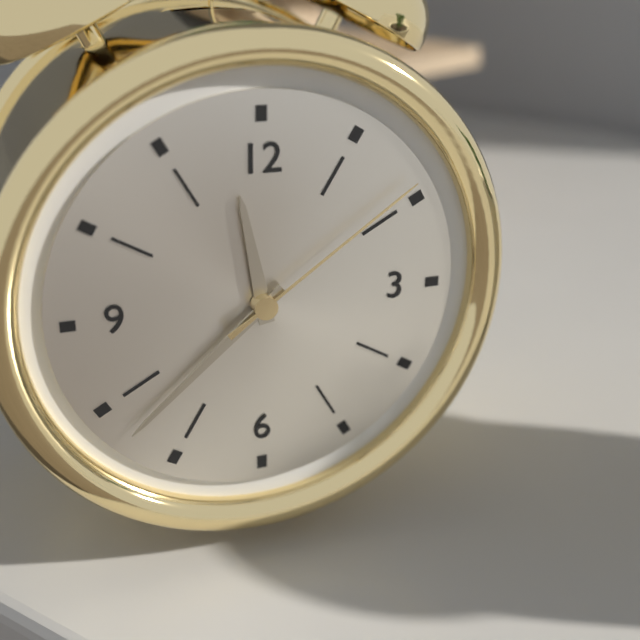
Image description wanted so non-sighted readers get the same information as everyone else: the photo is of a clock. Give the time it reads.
11:38:09
